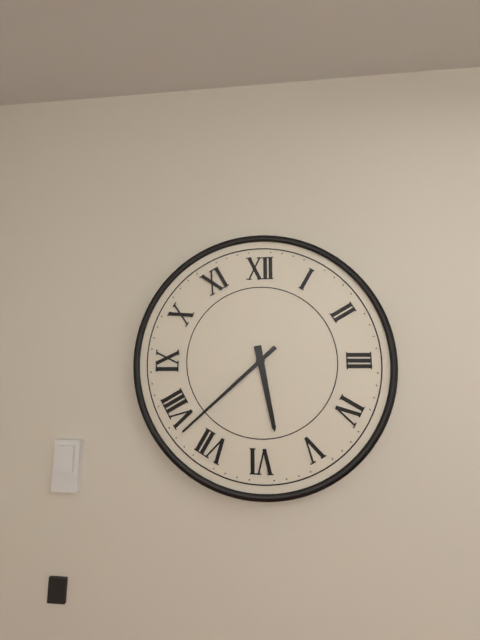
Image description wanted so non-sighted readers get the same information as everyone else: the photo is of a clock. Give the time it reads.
5:38
